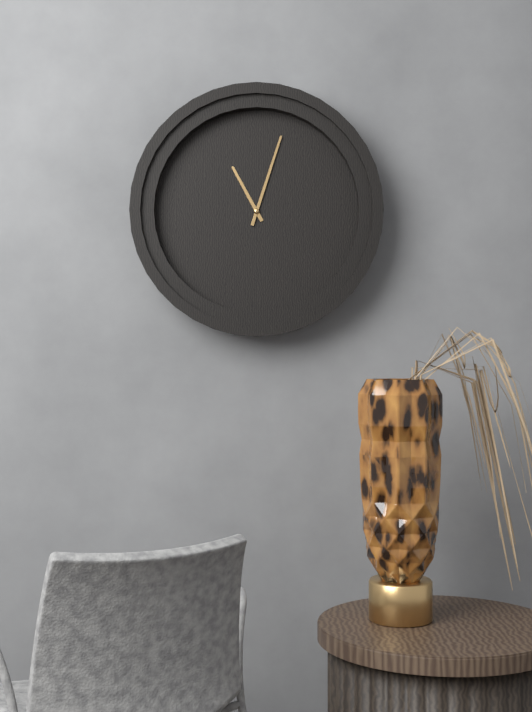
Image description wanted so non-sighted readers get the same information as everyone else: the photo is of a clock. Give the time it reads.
11:03
